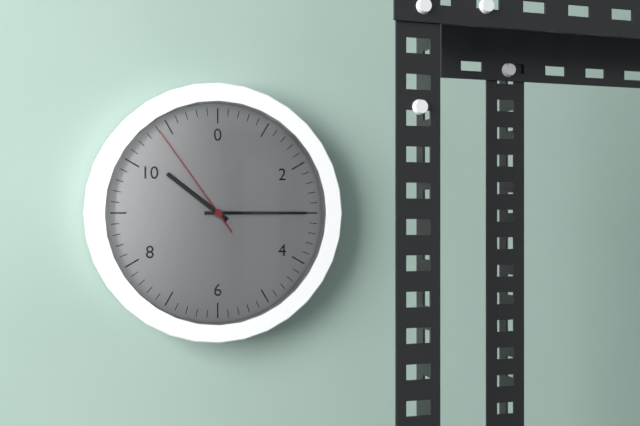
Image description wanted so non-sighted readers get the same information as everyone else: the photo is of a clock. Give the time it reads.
10:15:54
